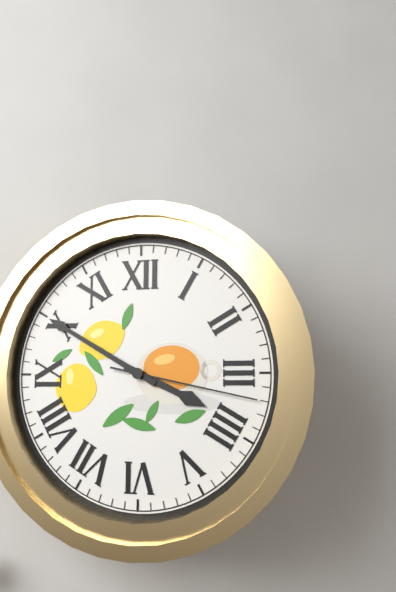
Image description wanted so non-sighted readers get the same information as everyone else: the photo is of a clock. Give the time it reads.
3:50:17
